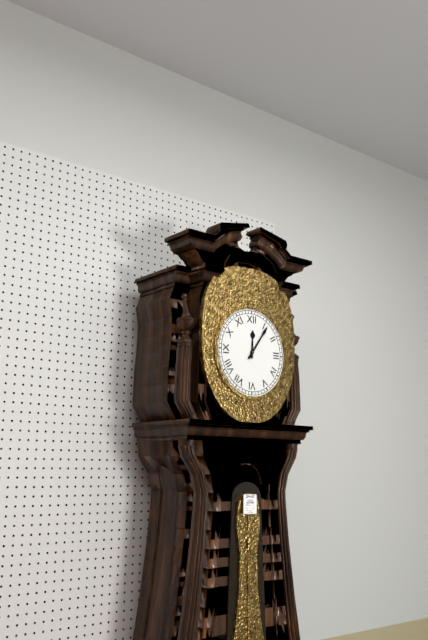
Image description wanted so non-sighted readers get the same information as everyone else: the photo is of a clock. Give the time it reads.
12:06
